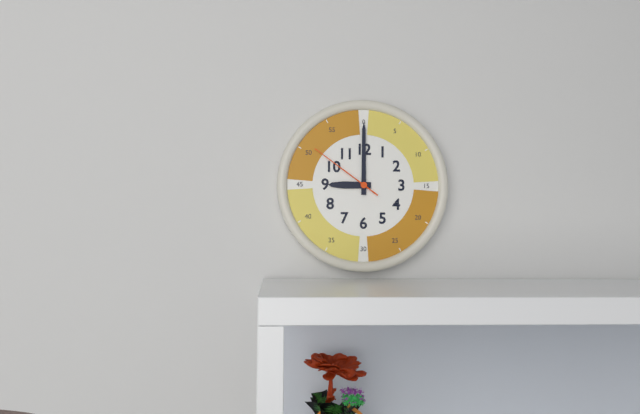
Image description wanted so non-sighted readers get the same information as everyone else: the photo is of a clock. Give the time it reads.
9:00:51
